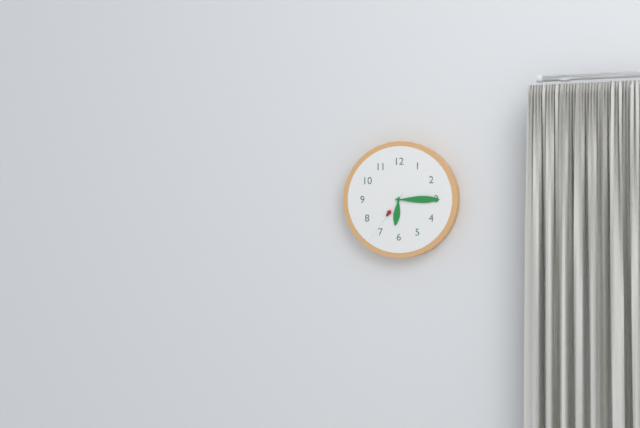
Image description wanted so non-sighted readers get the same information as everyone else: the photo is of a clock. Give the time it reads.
6:15:36
